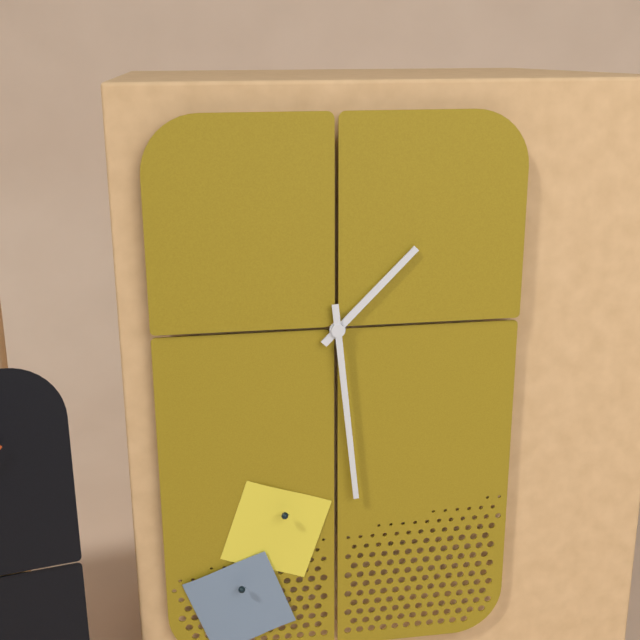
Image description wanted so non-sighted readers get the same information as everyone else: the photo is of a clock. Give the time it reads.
1:29
